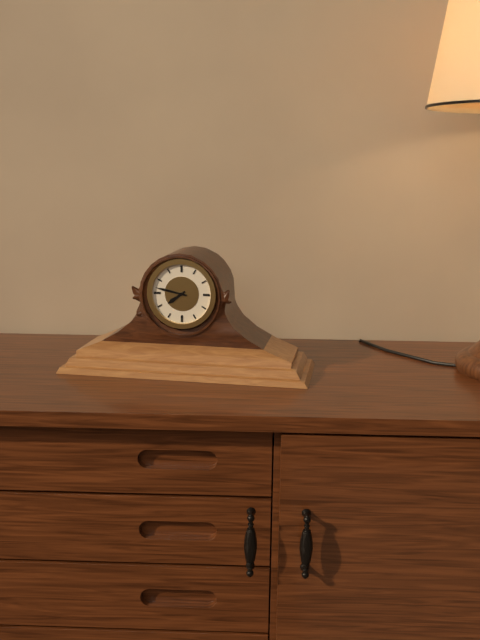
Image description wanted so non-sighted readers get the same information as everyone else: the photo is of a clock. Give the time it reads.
7:47
